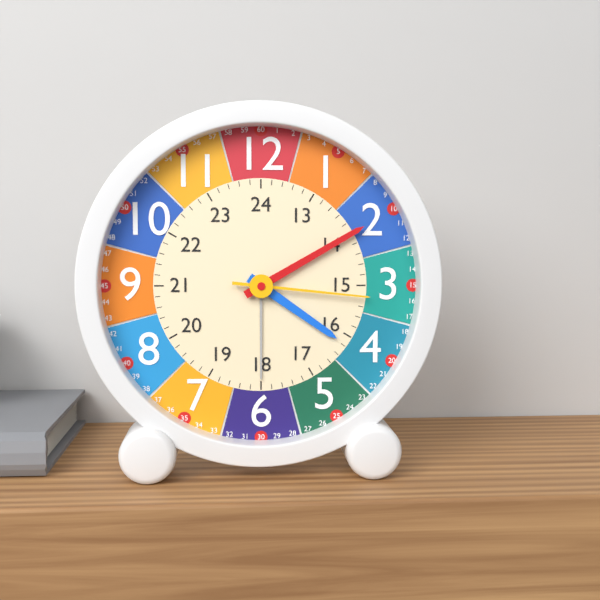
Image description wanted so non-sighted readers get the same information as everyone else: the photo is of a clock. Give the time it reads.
4:10:16
